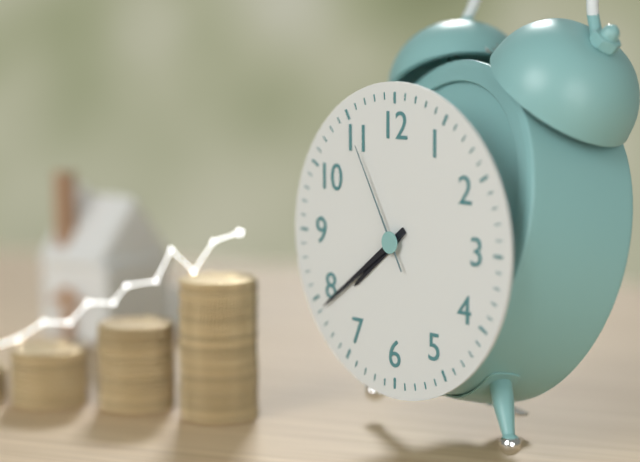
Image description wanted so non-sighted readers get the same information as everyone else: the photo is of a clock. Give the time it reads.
7:39:55
